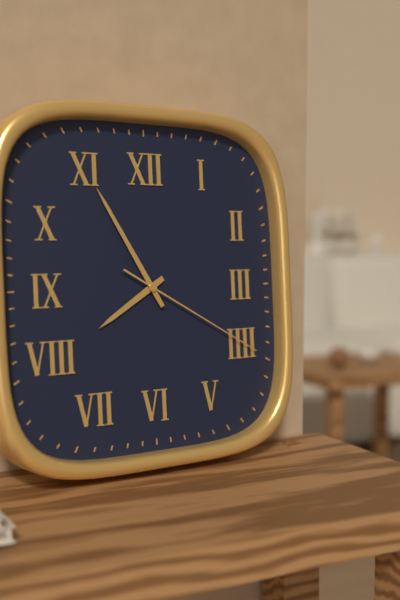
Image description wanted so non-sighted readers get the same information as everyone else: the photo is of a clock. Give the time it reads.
7:55:20
